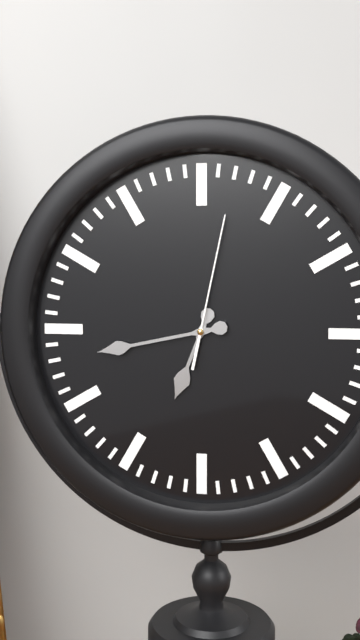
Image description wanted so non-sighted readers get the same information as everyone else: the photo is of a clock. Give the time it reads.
6:43:02
